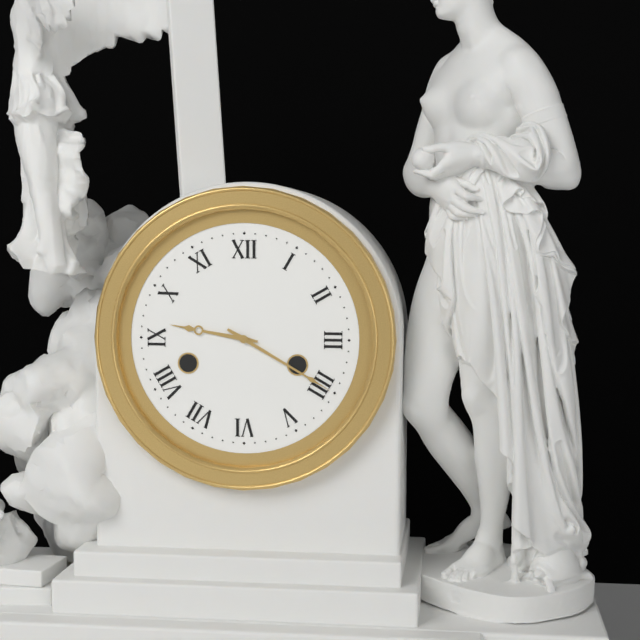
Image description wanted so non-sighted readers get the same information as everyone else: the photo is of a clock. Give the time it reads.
9:20
